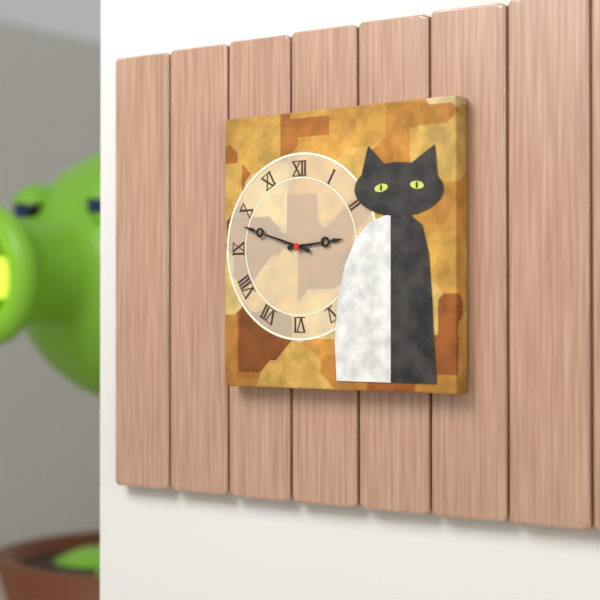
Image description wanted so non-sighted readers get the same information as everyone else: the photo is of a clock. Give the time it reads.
2:48
